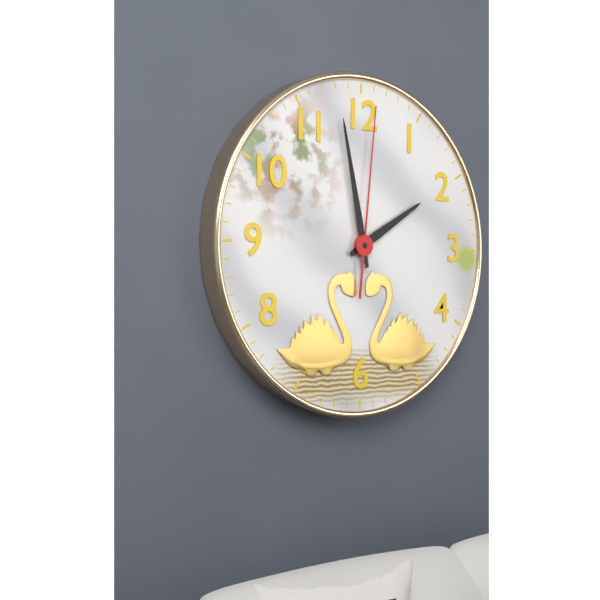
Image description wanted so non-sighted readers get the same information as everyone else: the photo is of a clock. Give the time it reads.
1:58:01
